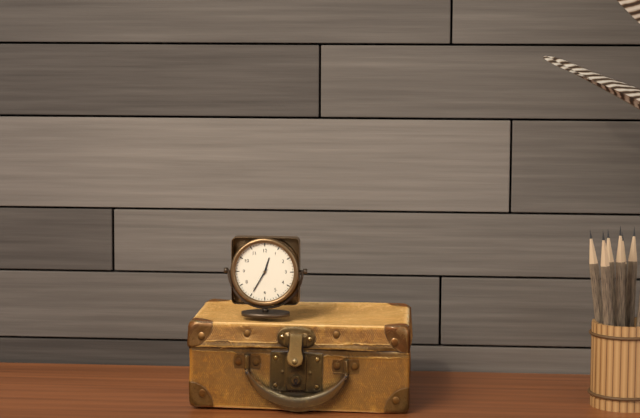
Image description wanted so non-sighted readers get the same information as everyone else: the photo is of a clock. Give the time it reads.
12:35
